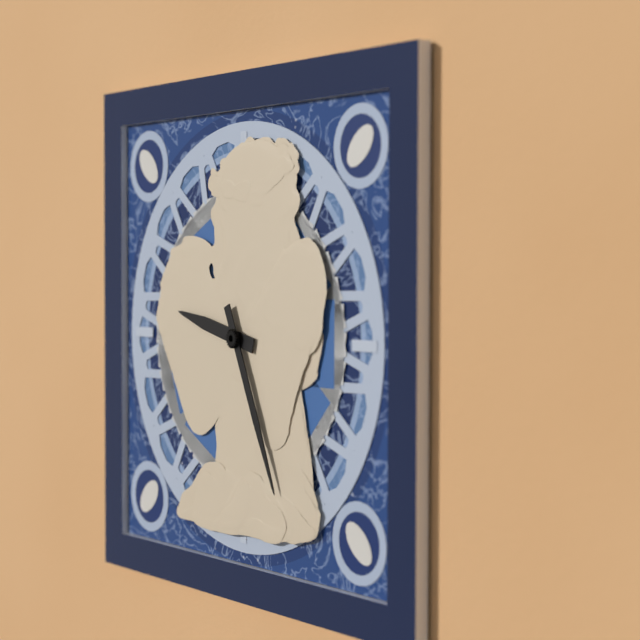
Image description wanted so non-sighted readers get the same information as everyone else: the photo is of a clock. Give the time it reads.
9:26
